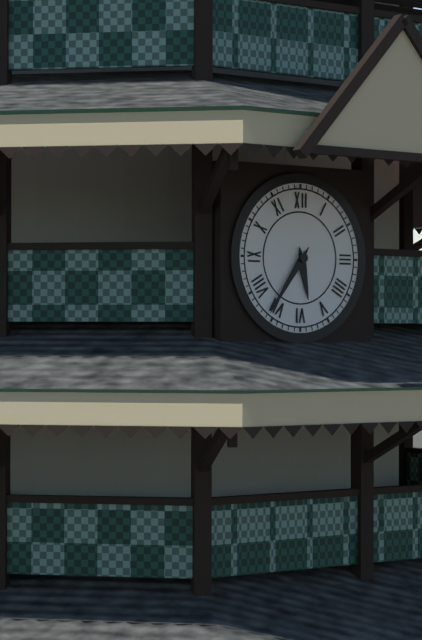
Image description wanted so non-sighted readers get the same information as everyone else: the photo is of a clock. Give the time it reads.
5:36
